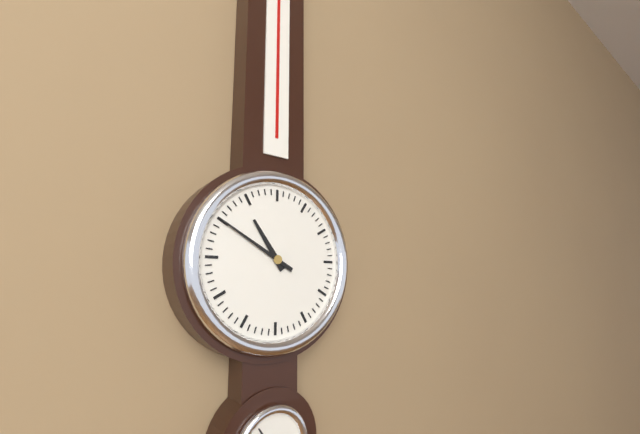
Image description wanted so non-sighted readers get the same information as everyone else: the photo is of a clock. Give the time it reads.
10:50
